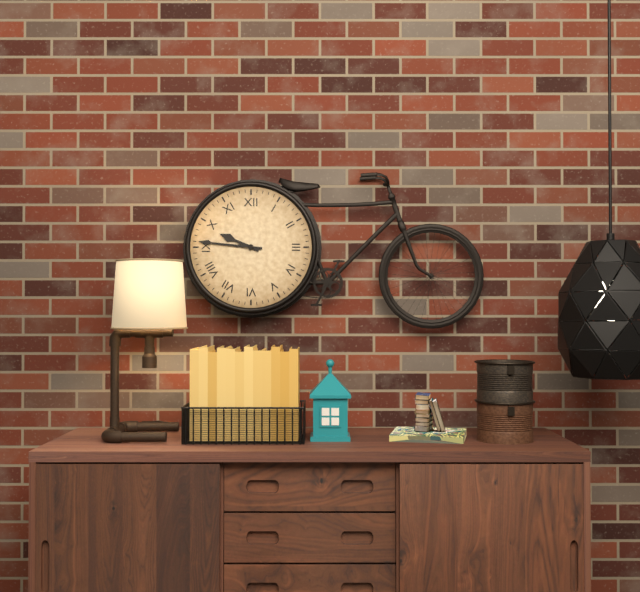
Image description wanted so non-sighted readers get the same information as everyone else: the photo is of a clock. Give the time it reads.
9:46
